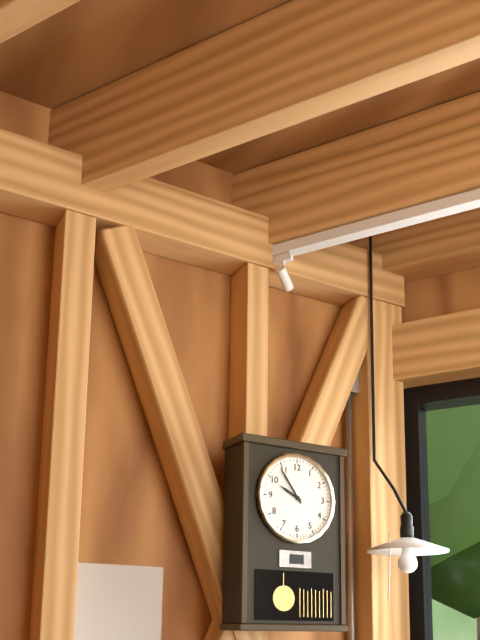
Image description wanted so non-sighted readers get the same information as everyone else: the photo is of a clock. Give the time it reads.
9:54
